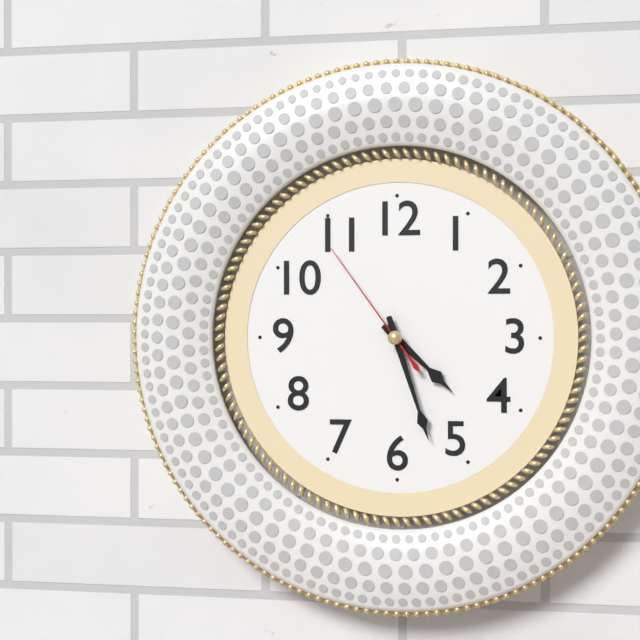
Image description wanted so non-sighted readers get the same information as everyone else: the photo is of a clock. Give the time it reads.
4:27:54
